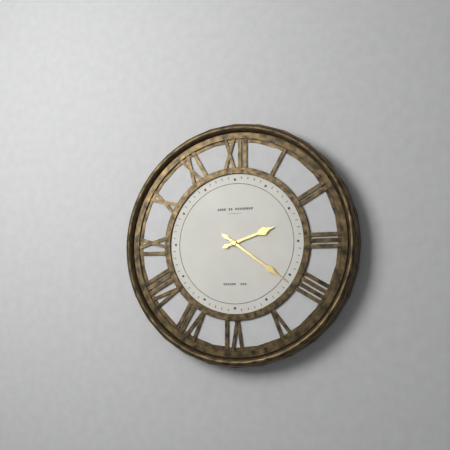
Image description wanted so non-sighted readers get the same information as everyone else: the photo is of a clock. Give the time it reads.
2:21
